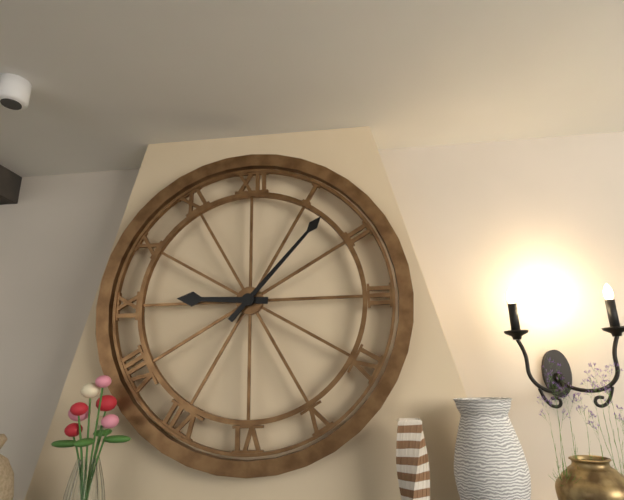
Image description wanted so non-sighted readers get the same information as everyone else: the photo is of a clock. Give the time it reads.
9:07
